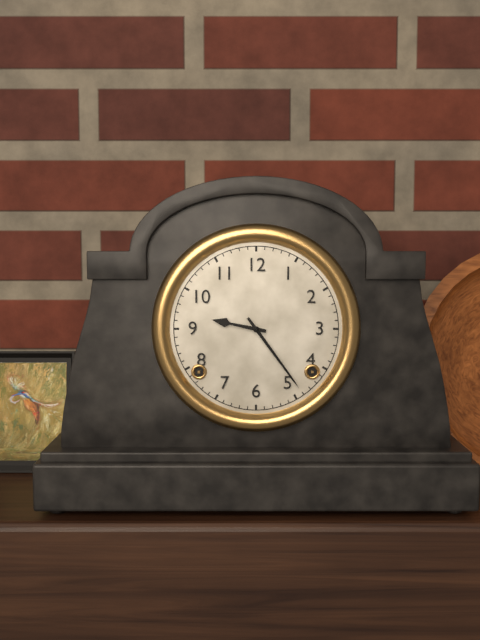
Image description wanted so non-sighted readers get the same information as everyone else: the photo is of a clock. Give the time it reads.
9:24
